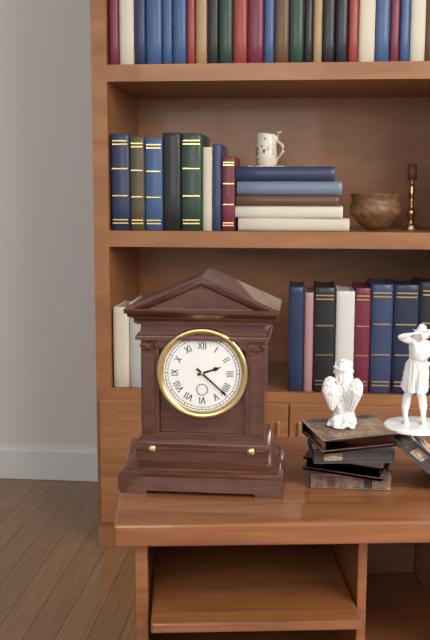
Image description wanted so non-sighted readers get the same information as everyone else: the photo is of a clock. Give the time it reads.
2:22
